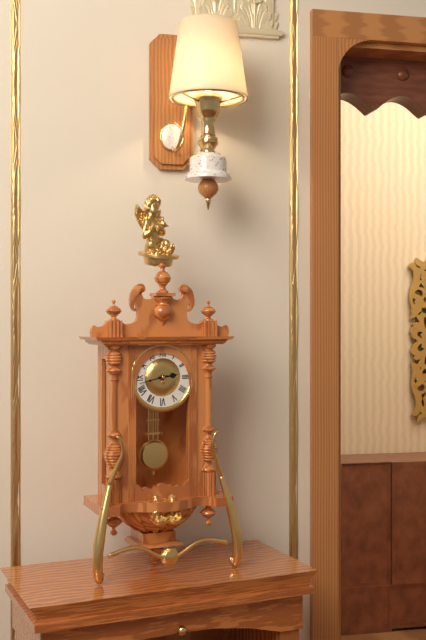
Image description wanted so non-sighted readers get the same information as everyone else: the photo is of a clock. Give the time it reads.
2:43
